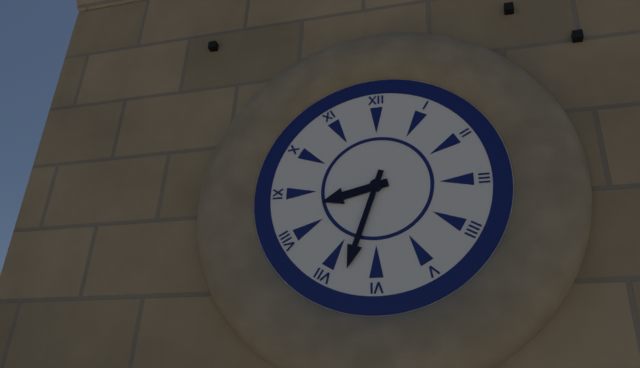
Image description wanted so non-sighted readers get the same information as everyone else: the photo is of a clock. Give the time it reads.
8:33
